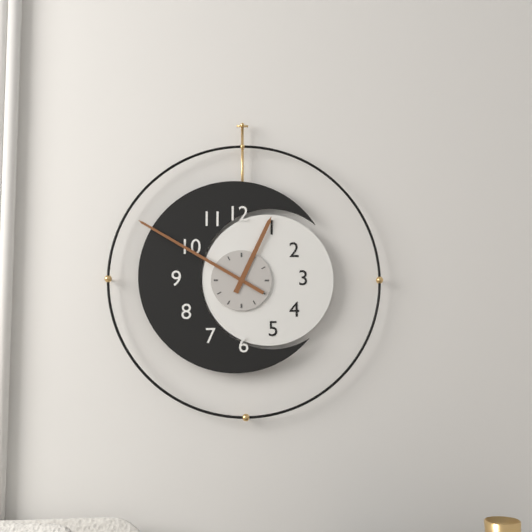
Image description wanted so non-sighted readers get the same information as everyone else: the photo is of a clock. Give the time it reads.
12:50
